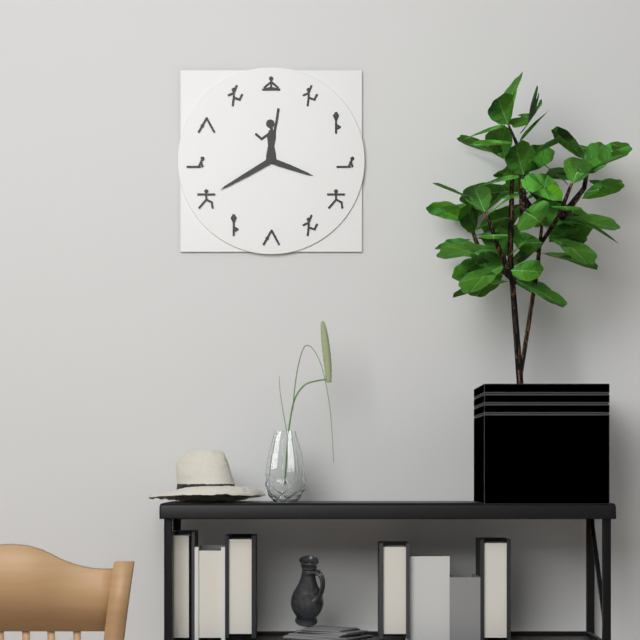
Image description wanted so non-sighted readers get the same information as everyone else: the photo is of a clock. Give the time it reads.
3:40
